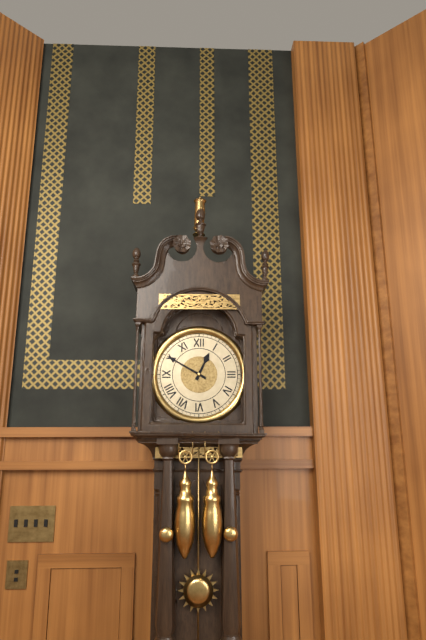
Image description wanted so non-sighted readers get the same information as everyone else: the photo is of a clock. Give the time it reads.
12:50
